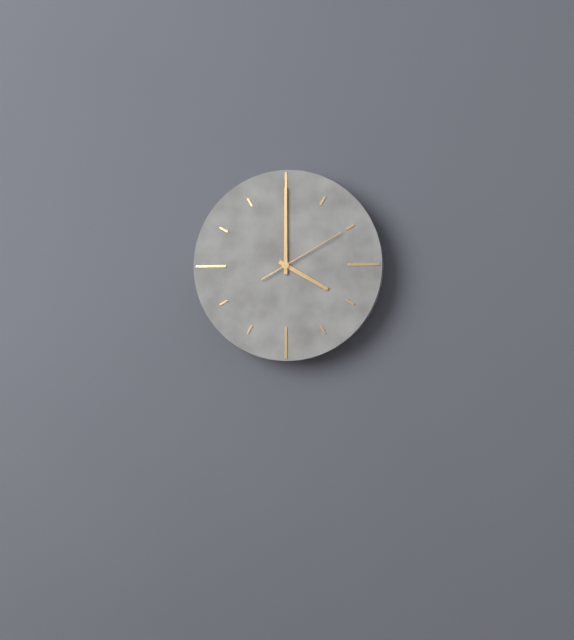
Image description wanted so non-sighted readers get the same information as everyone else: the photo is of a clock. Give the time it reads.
4:00:10
